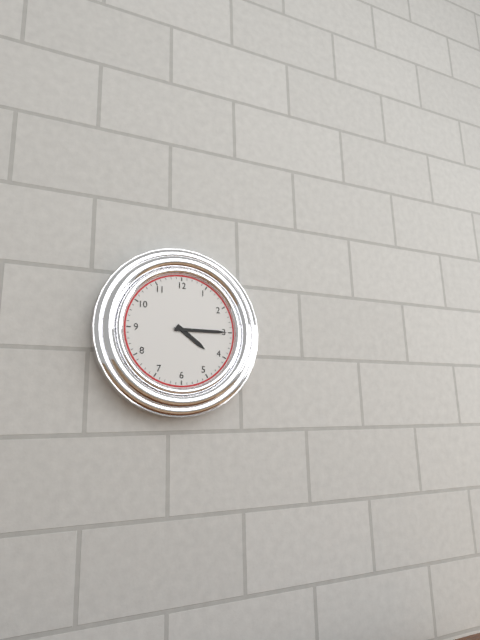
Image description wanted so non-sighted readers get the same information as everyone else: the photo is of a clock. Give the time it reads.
4:15
